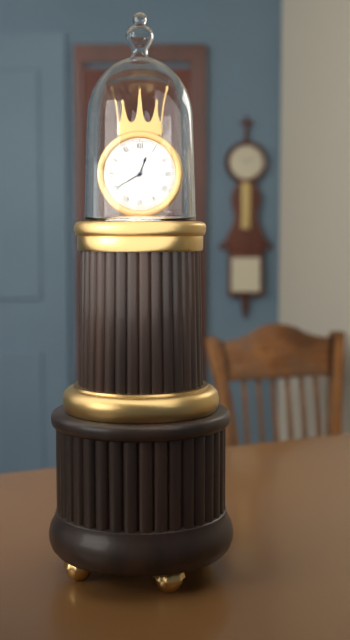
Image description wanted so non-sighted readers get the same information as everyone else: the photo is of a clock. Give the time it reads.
12:40
